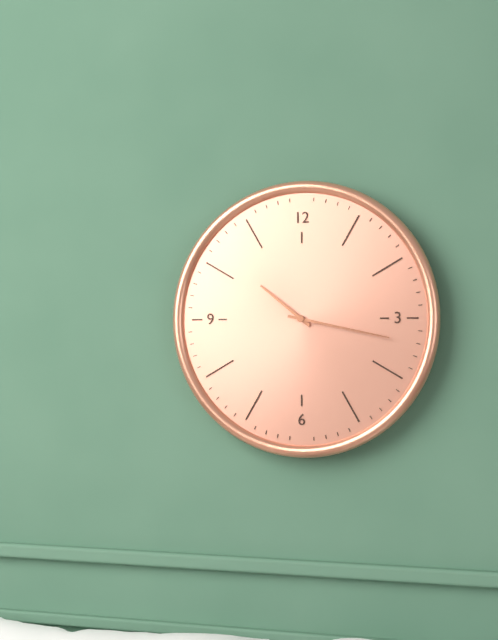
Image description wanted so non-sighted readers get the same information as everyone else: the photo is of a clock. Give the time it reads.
10:17
